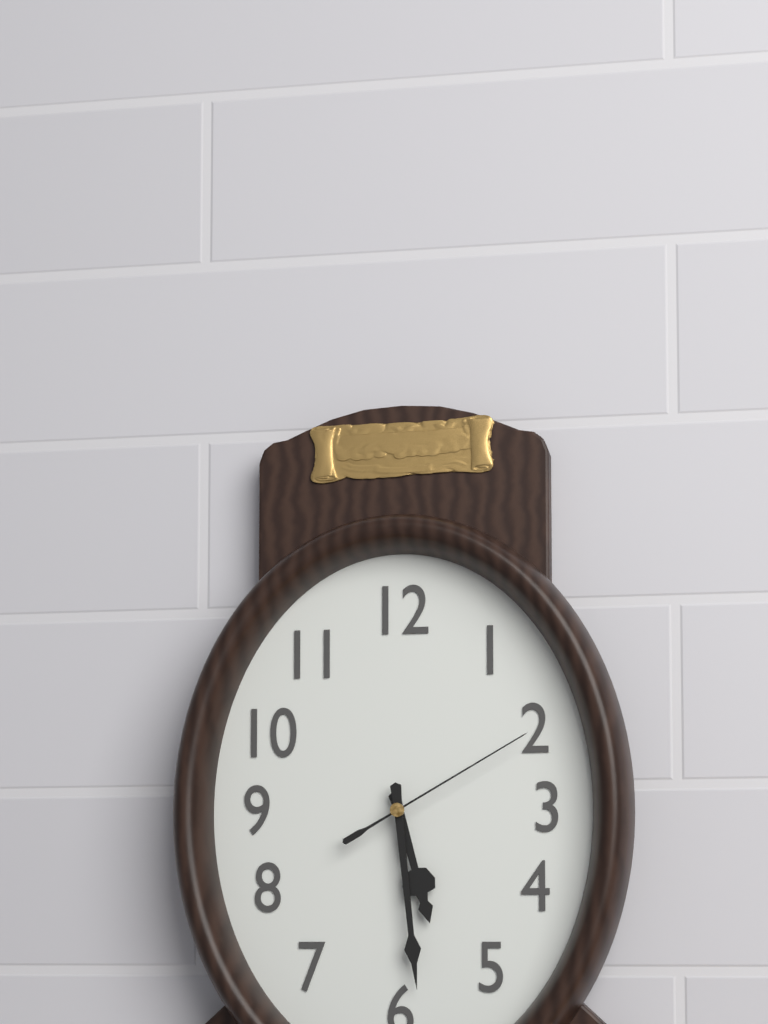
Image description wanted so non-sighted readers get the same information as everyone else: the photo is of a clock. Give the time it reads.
5:29:10
